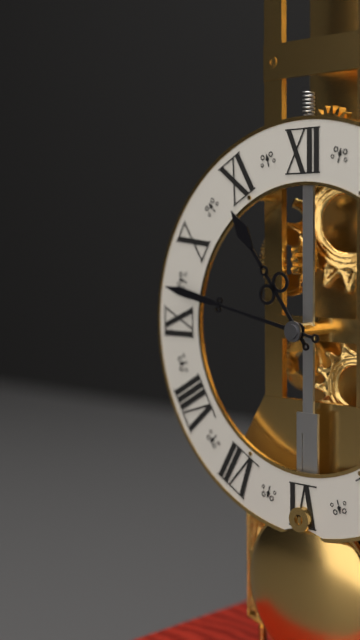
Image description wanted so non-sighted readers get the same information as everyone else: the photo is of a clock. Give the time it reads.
10:47
